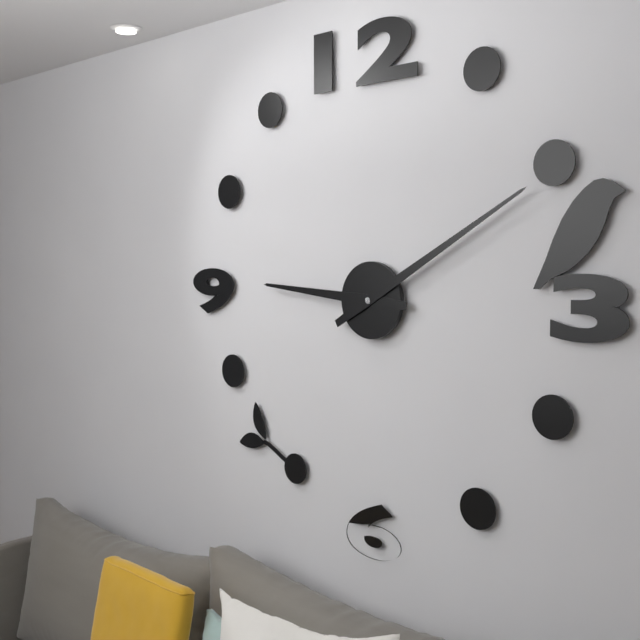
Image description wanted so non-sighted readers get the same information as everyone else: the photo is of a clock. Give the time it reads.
9:10
